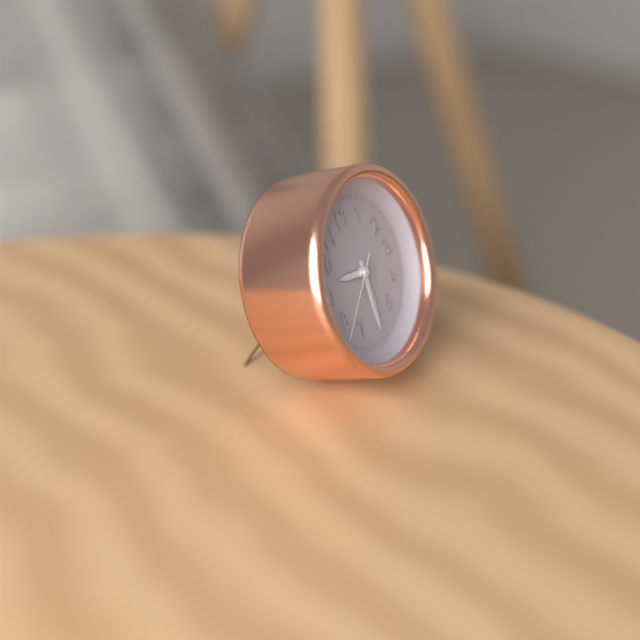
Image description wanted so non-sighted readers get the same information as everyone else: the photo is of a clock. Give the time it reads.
9:31:39
